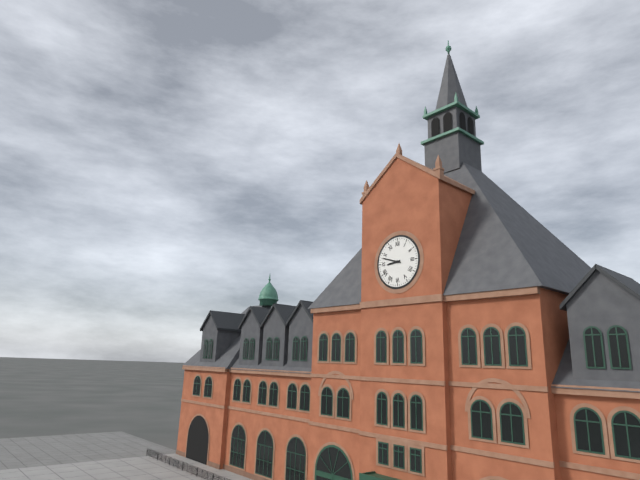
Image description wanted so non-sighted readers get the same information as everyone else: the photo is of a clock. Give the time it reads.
8:48
